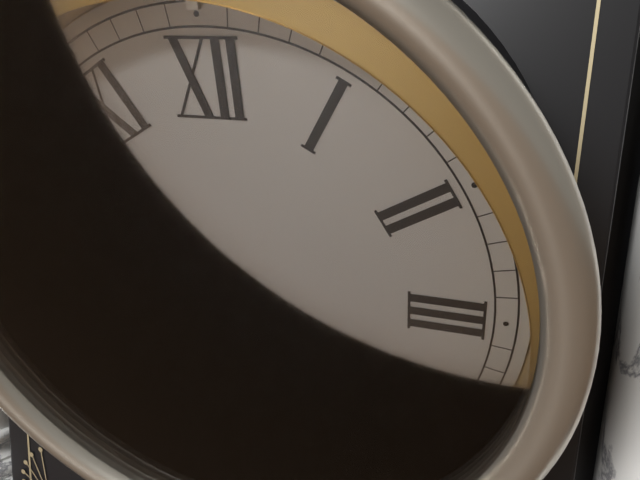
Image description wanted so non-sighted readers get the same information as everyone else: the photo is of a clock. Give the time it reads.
5:47
